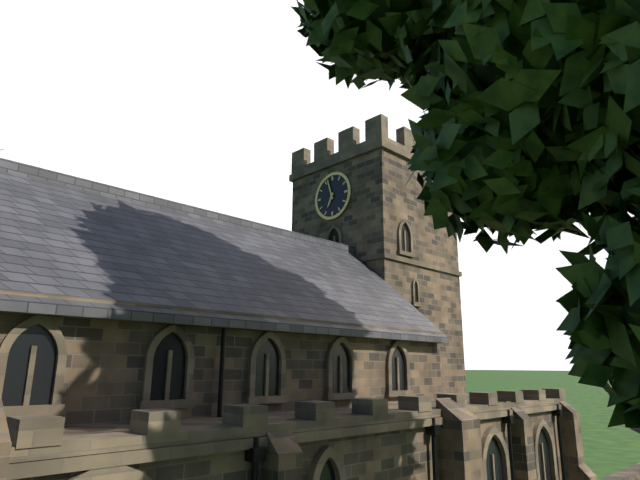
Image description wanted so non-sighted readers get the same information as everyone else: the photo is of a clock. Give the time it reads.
6:57
